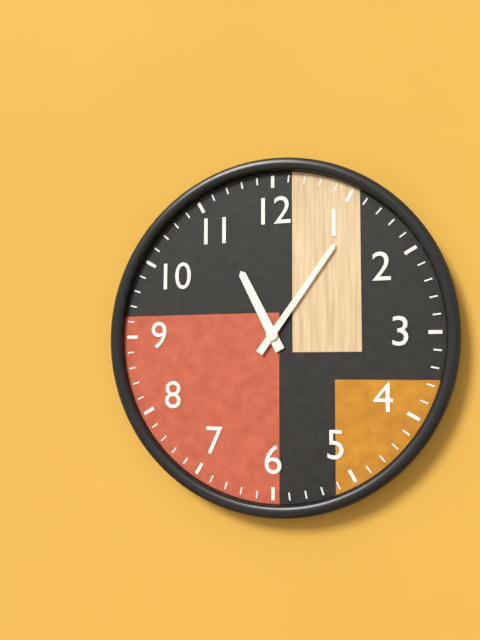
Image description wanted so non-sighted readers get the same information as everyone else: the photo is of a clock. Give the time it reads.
11:06
